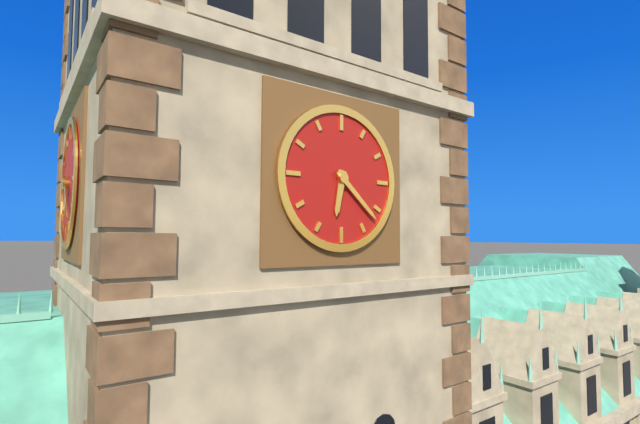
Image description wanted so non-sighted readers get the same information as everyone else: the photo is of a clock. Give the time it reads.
6:22
